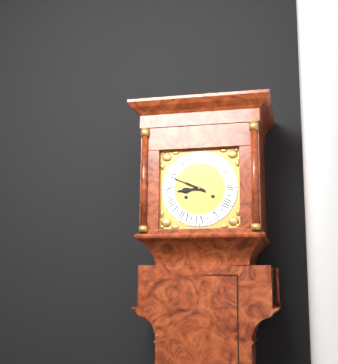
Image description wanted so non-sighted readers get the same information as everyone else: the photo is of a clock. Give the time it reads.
8:49
